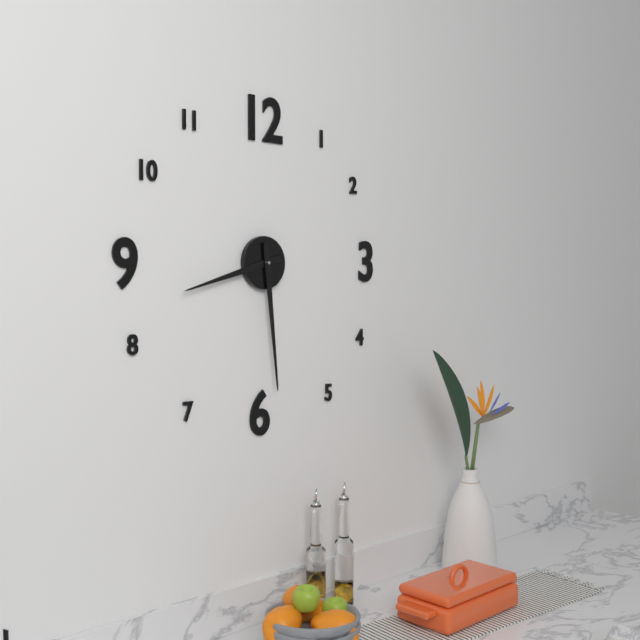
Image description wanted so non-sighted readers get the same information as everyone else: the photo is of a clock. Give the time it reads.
8:29
